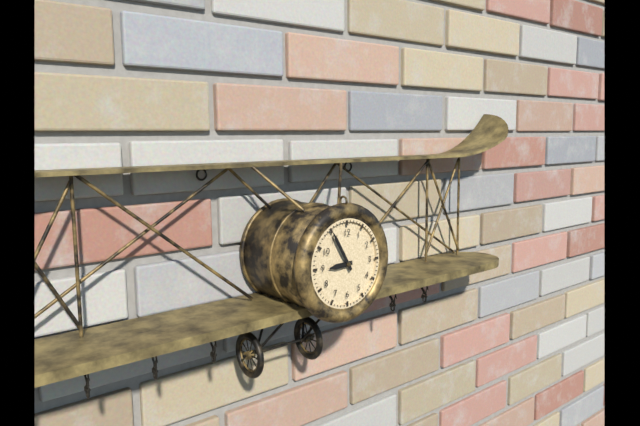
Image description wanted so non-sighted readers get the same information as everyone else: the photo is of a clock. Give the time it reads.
8:55
